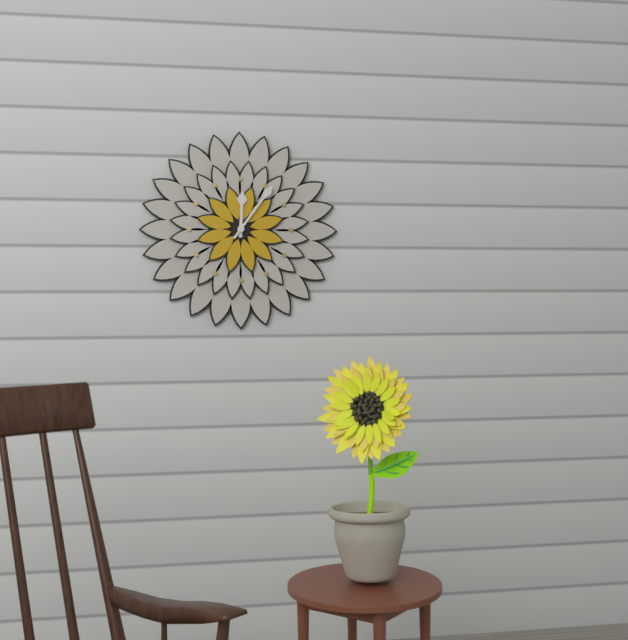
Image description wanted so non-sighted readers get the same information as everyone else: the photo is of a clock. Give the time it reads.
12:06
